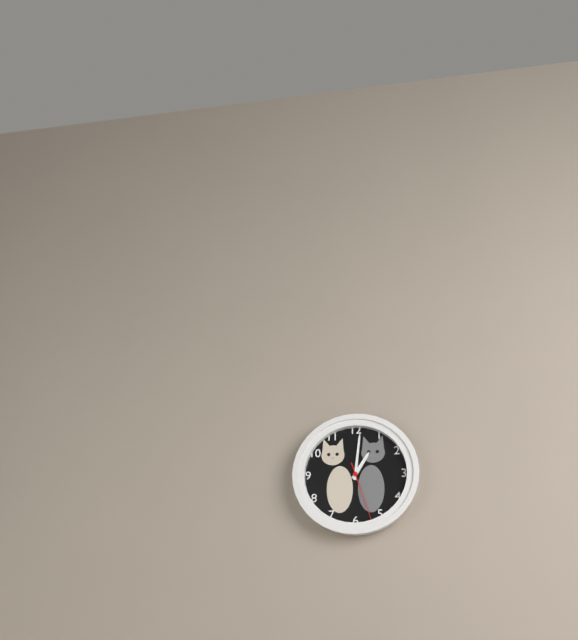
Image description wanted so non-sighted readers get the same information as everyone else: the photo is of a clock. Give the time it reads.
1:01:27
